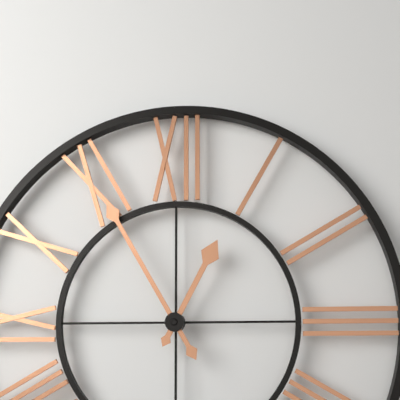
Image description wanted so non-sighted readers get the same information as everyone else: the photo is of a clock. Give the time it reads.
12:55
